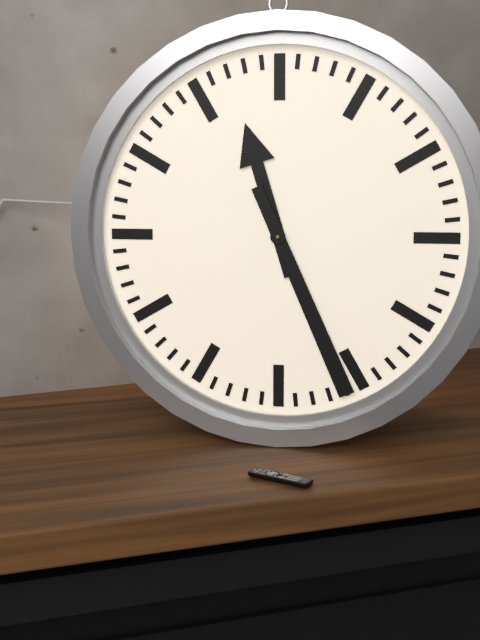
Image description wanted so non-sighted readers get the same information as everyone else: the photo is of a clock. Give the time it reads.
11:26
